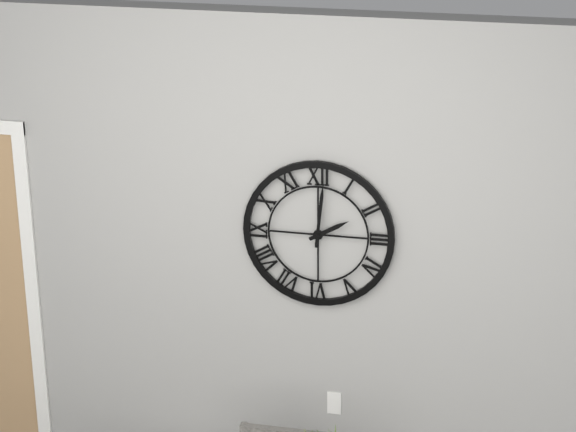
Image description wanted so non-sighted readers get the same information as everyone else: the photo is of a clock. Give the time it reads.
2:01
